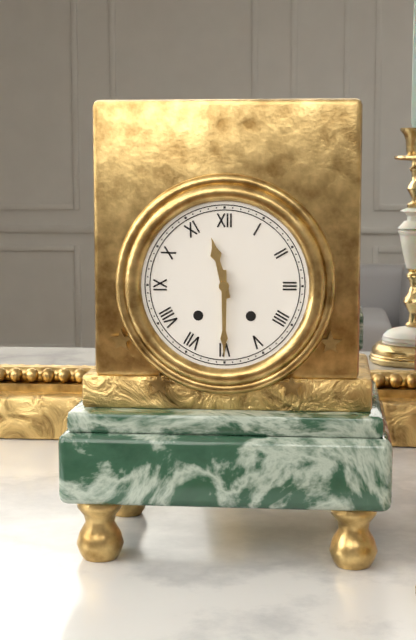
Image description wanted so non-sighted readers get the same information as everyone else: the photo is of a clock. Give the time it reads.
11:30
